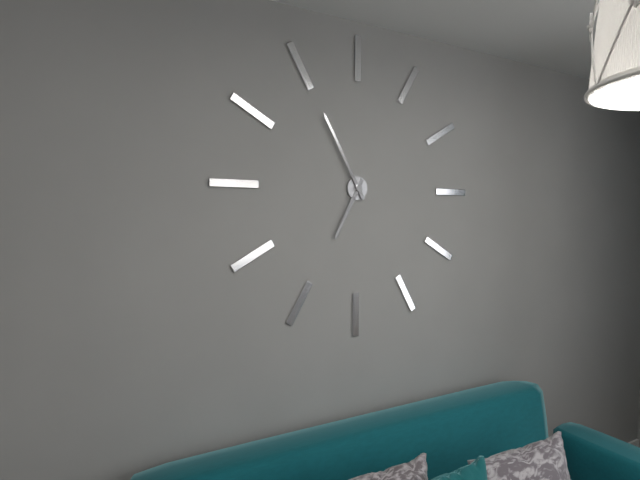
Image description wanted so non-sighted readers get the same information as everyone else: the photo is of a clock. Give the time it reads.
6:55
